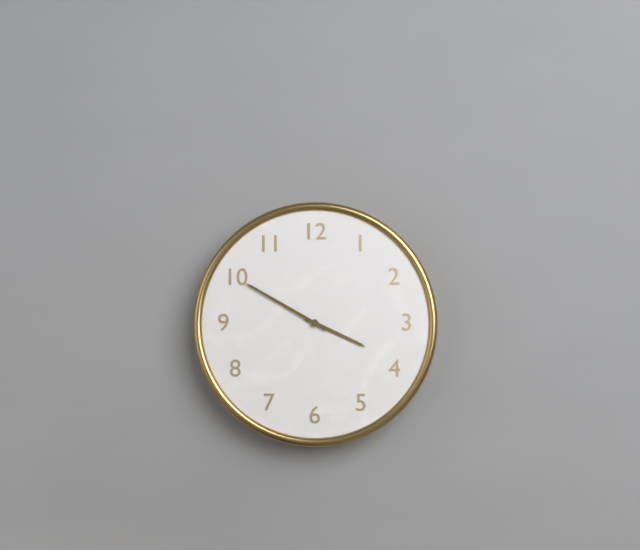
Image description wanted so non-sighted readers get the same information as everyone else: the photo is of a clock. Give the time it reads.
3:50
